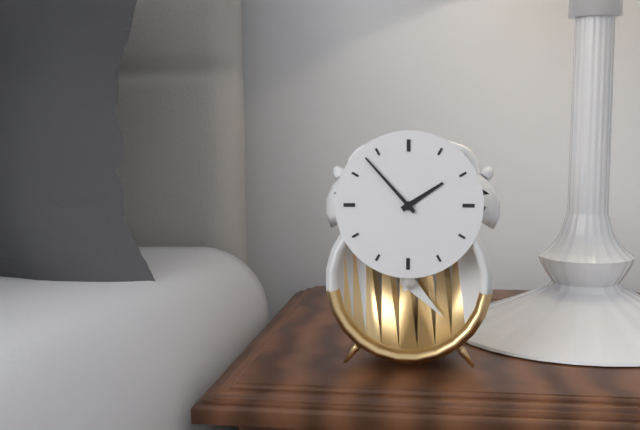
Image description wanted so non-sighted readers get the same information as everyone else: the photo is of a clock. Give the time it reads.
1:53
